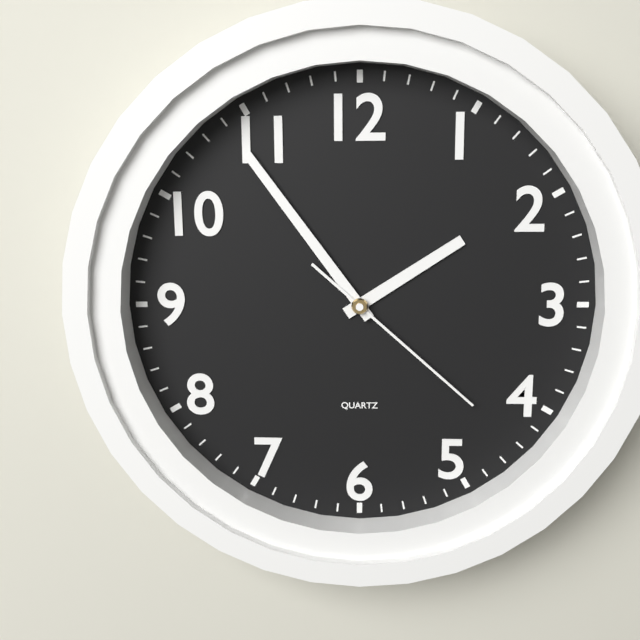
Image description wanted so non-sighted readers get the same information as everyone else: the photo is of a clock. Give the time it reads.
1:54:22
